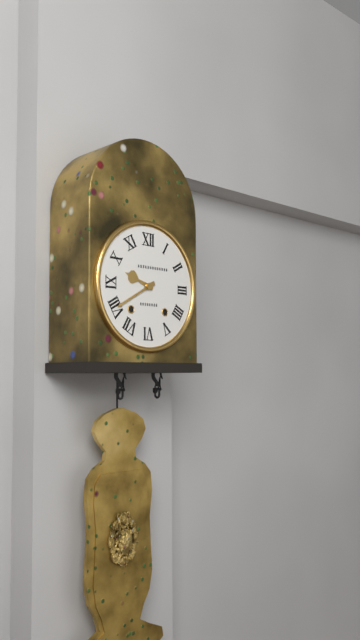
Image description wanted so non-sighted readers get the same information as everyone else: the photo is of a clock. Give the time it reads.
9:40
